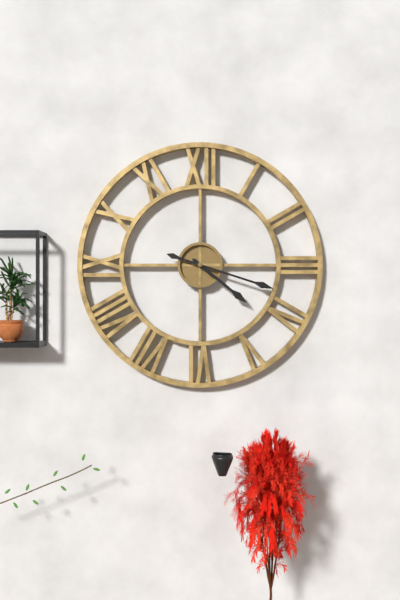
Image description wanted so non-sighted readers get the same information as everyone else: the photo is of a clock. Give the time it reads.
4:18
